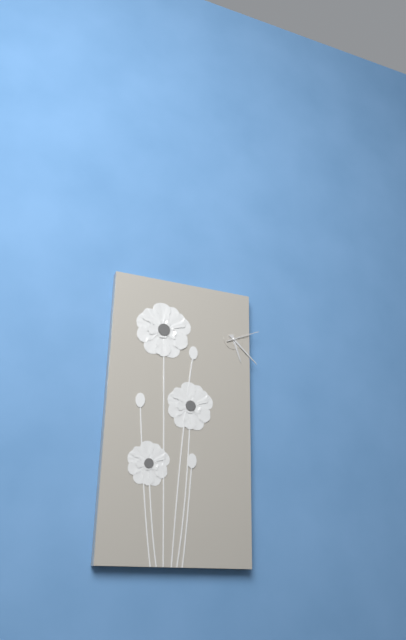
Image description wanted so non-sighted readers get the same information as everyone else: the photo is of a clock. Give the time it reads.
5:22
